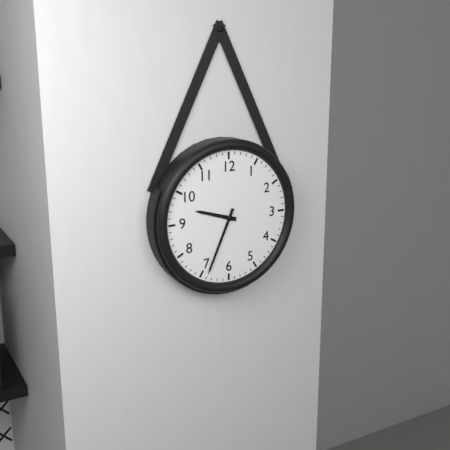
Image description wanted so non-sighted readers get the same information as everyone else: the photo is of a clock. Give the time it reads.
9:34
